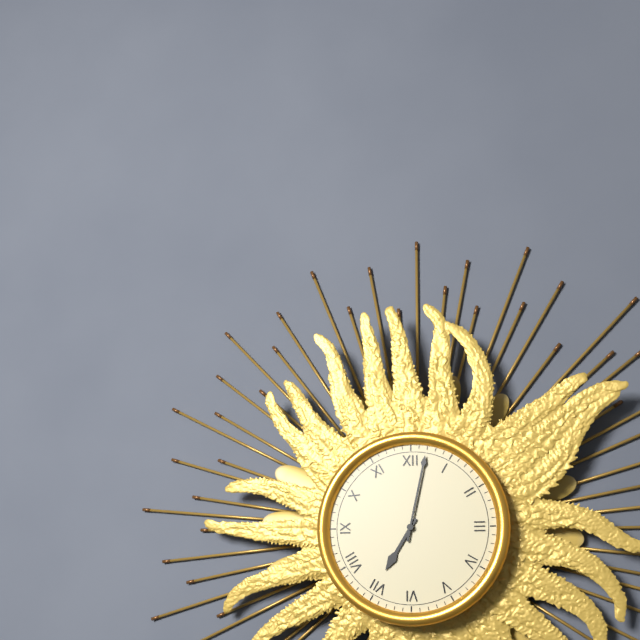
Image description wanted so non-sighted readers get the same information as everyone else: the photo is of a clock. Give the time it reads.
7:02
